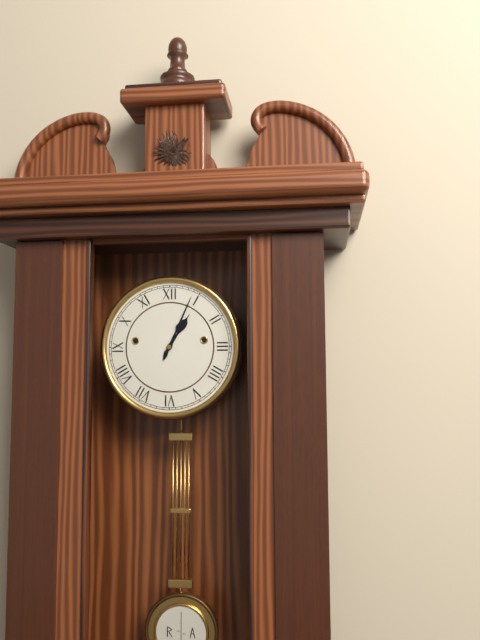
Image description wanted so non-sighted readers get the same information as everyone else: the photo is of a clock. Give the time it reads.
1:04
